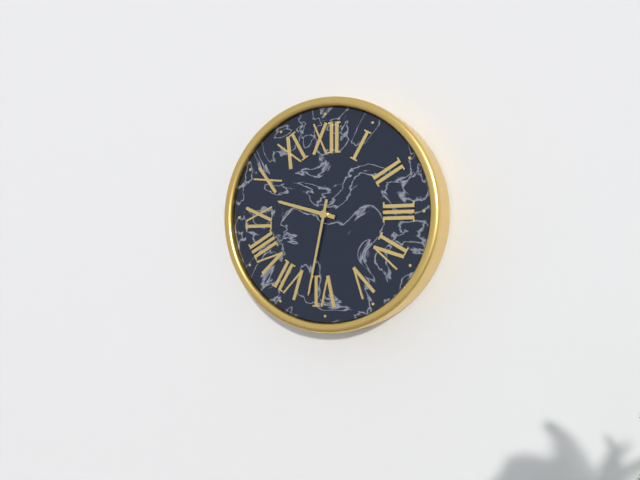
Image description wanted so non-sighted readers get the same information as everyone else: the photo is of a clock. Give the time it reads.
9:32
